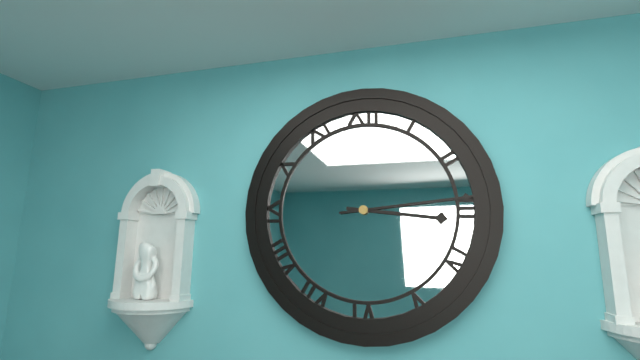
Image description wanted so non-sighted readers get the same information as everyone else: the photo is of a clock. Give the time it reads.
3:14
